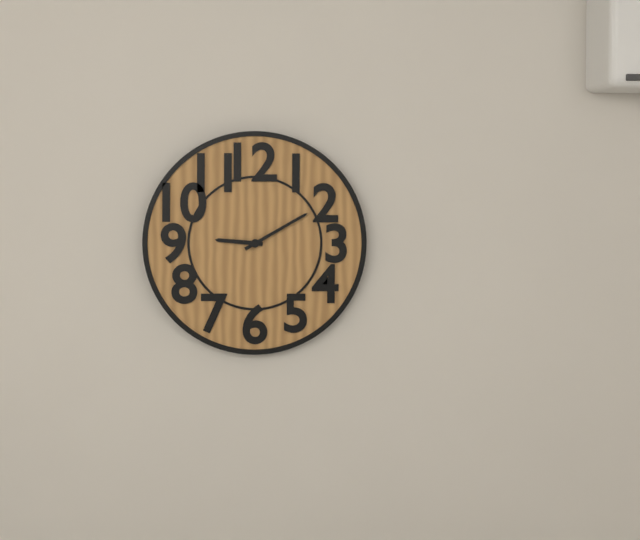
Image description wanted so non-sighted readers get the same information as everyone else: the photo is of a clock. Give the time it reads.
9:10
